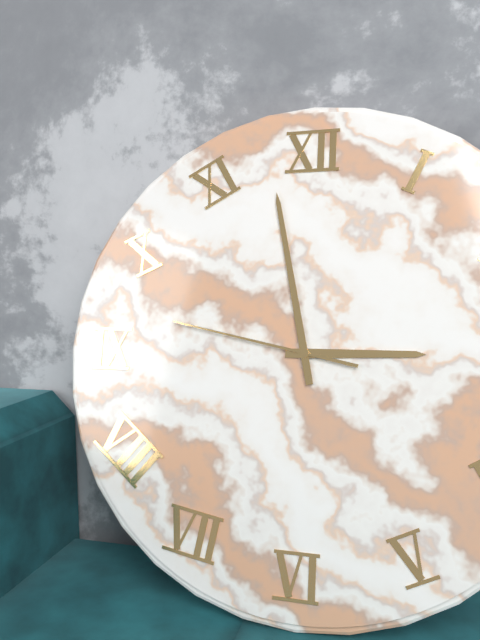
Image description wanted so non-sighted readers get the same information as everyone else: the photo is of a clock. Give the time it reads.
2:58:47
